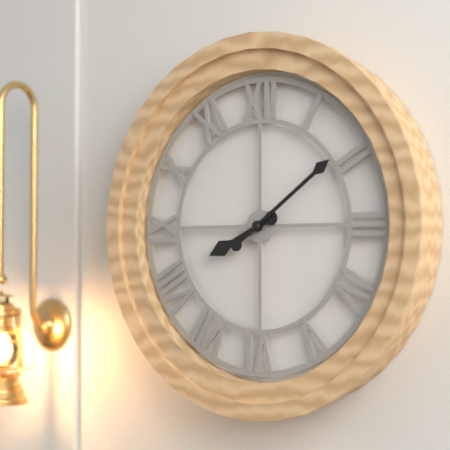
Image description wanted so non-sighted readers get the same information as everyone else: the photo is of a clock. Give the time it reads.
8:09
